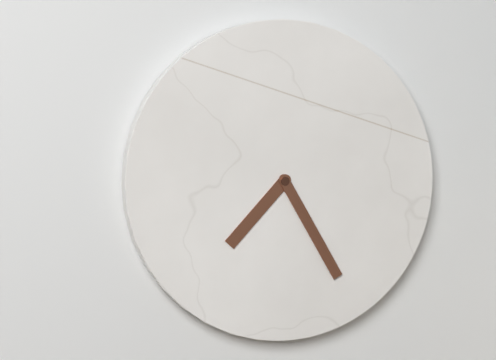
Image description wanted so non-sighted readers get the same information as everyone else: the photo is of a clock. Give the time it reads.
7:25
